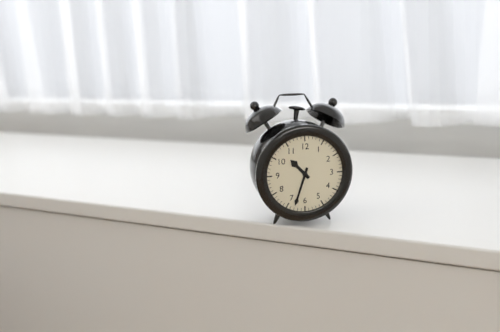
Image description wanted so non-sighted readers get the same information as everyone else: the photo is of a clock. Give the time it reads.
10:33
